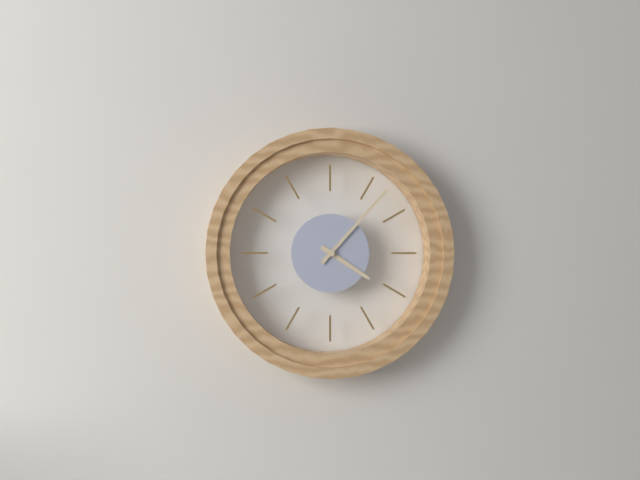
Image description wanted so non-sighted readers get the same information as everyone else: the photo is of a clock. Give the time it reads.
4:07
